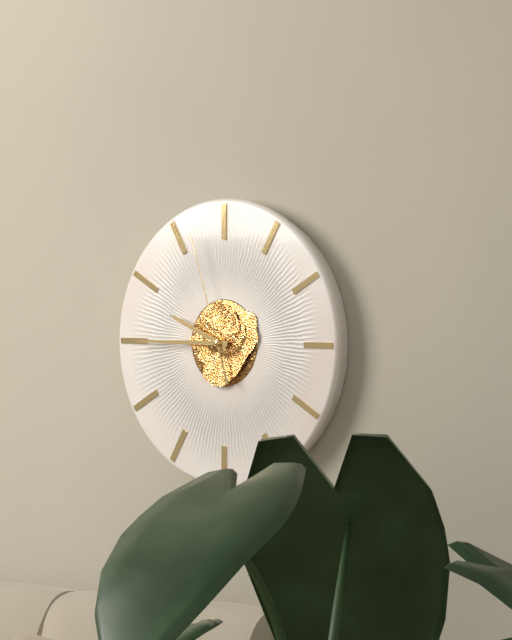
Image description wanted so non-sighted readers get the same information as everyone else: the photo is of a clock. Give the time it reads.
9:45:57
